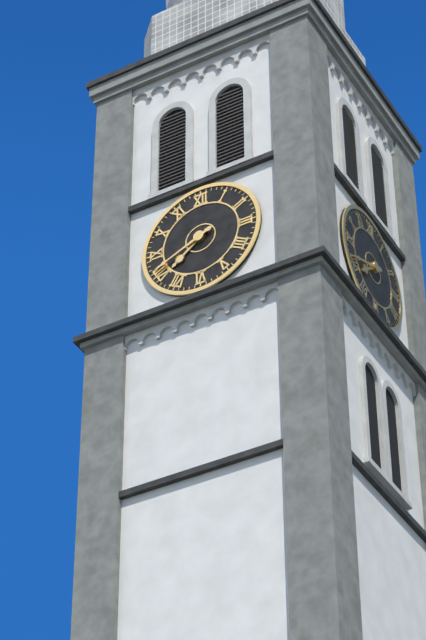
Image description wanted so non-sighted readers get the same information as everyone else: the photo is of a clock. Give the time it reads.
7:41
